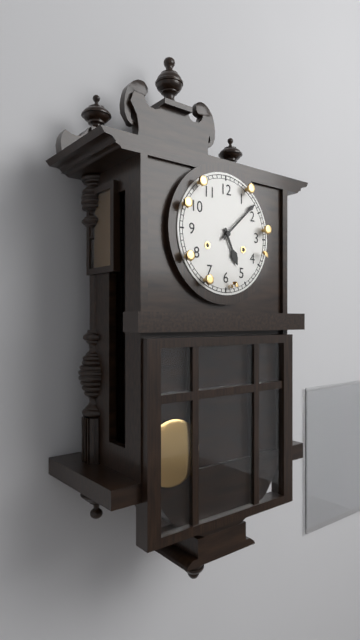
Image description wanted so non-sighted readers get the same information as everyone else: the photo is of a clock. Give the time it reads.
5:08
